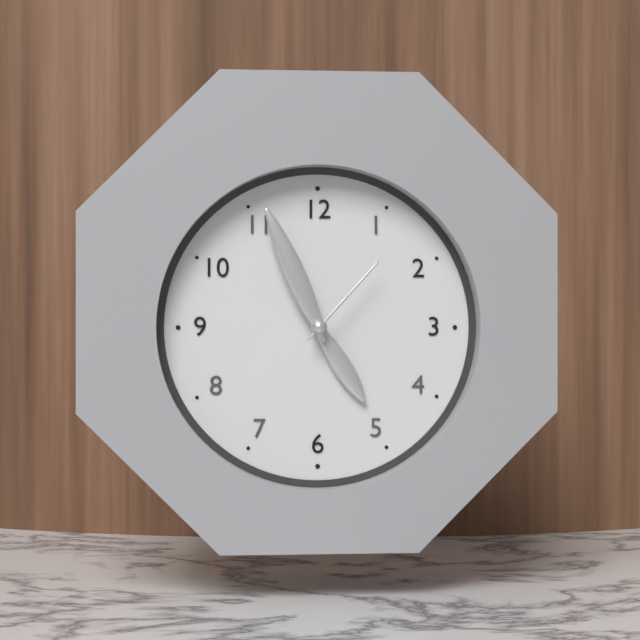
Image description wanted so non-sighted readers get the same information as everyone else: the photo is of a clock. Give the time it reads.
4:56:07
